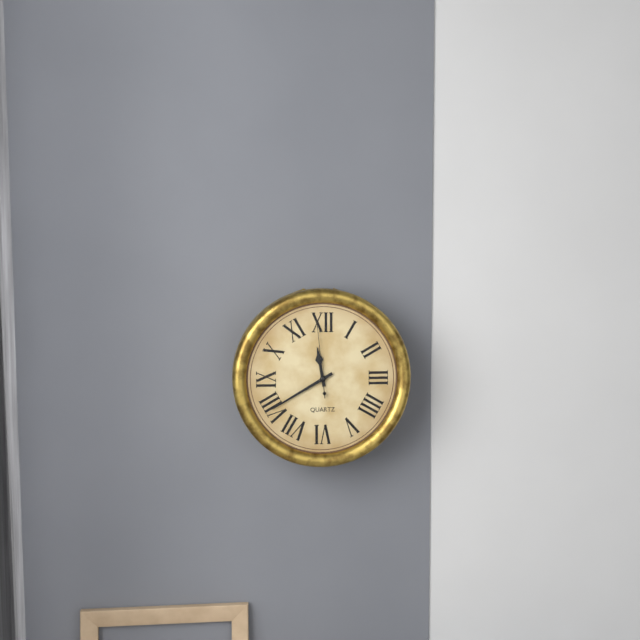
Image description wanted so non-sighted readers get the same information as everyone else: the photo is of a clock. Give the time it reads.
11:40:59
